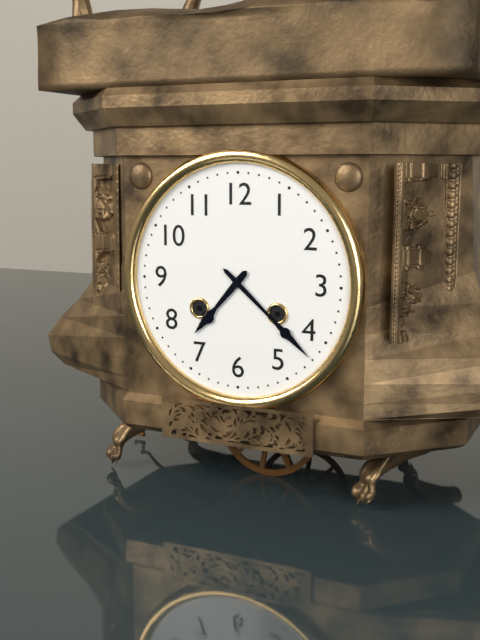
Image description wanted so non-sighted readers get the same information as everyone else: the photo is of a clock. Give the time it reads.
7:22
